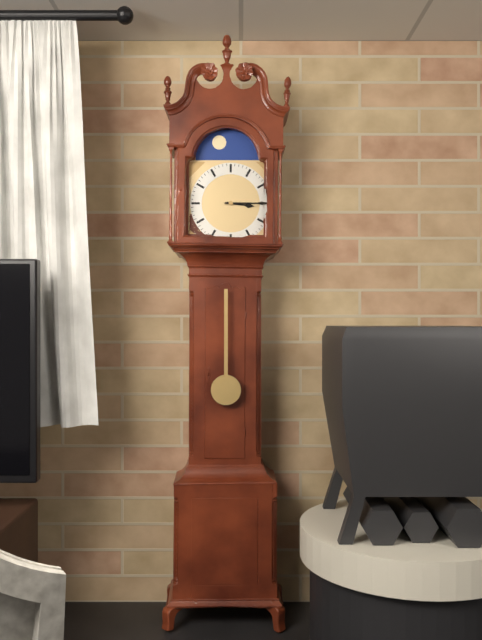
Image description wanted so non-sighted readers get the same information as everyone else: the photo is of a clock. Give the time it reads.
3:15
